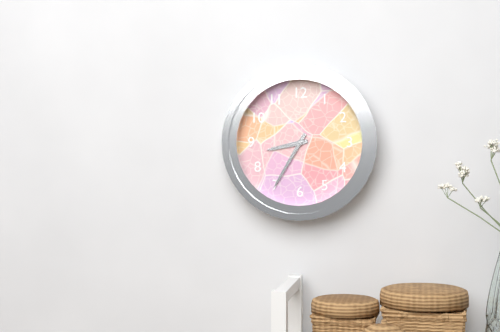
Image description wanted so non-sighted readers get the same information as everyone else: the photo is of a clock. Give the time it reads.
8:35
